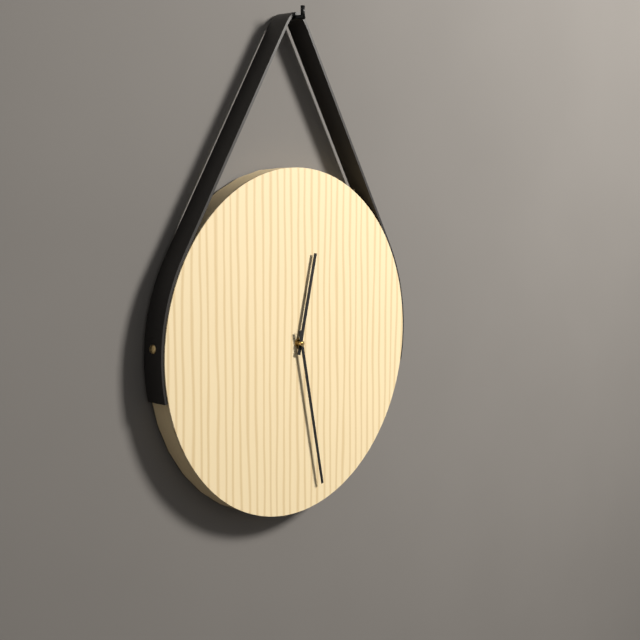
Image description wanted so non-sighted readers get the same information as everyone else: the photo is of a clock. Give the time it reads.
12:28
